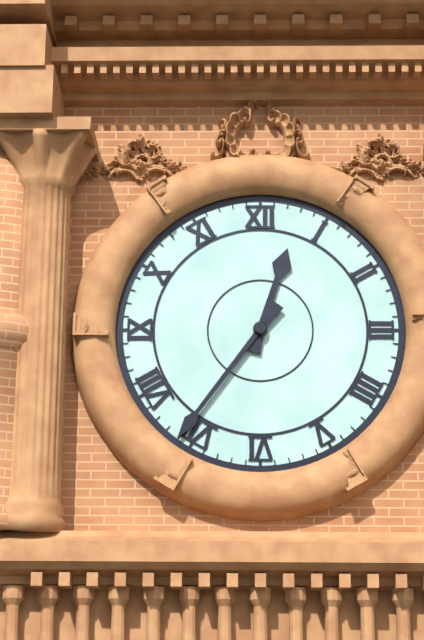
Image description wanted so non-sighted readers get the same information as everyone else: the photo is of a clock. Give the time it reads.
12:36
